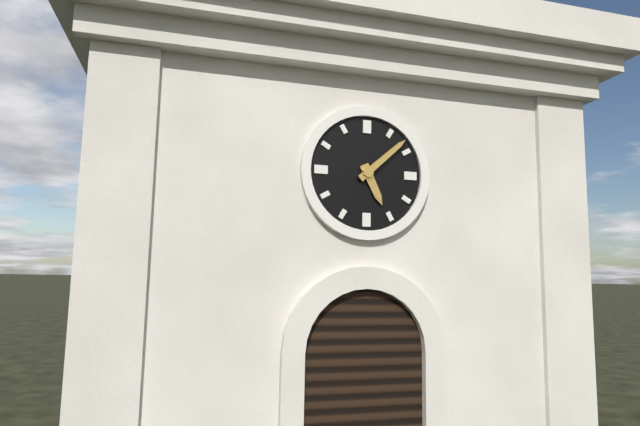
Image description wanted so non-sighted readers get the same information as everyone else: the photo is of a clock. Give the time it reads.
5:08
